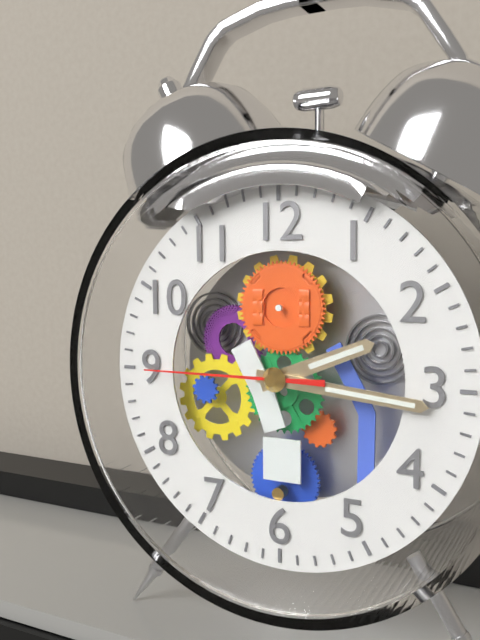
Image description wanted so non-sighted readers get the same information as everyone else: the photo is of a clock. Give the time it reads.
2:16:45
